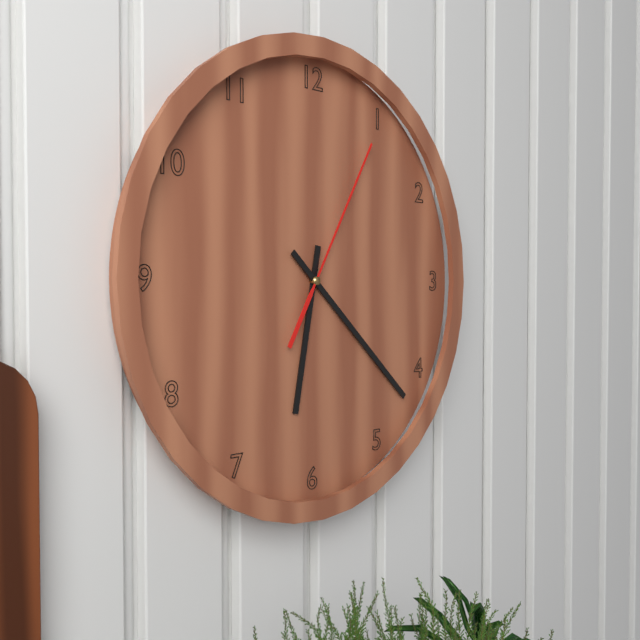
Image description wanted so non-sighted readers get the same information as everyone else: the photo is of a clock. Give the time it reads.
6:22:05
